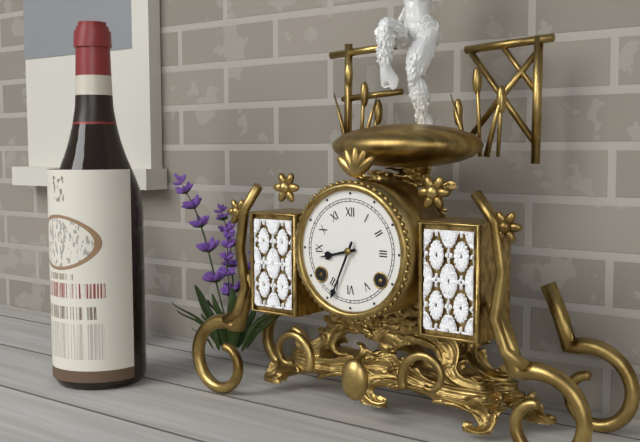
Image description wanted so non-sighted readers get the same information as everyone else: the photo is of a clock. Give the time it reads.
8:34
